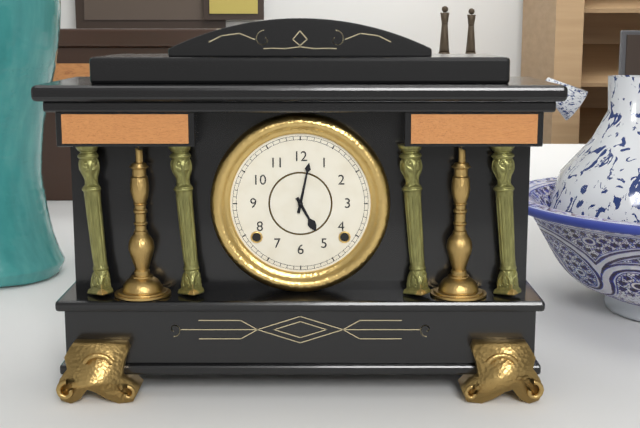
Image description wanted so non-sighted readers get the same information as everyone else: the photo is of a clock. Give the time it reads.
5:02
